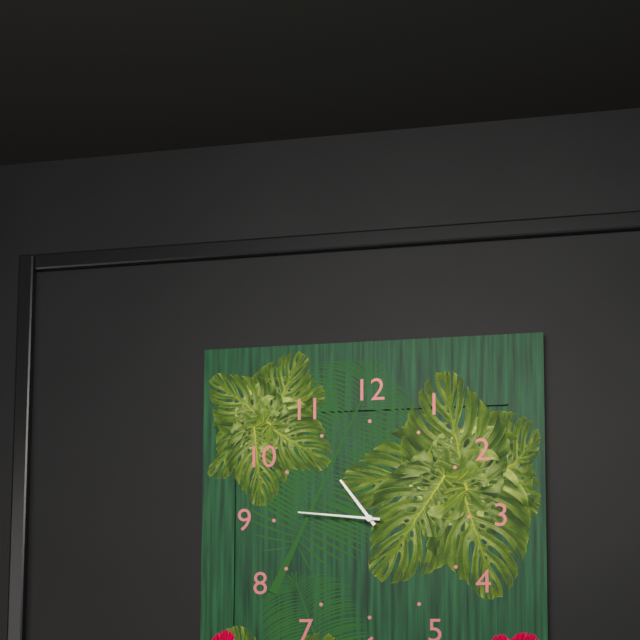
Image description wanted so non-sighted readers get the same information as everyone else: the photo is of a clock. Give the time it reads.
10:46
